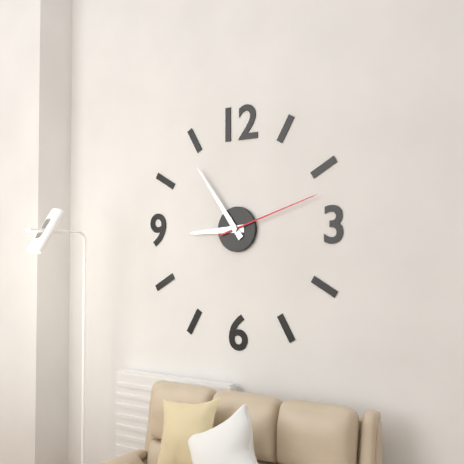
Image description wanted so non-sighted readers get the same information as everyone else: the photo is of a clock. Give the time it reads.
8:54:12
